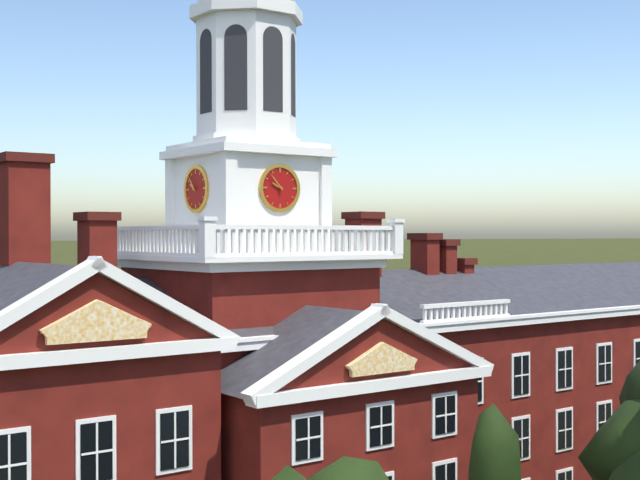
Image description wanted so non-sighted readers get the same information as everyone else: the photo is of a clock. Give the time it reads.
9:53
